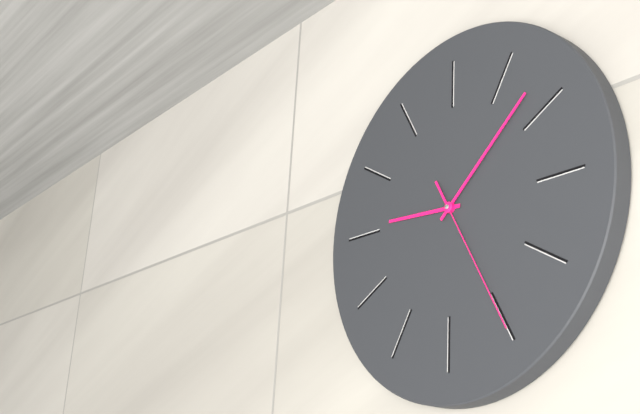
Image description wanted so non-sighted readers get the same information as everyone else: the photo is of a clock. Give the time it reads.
9:08:25
